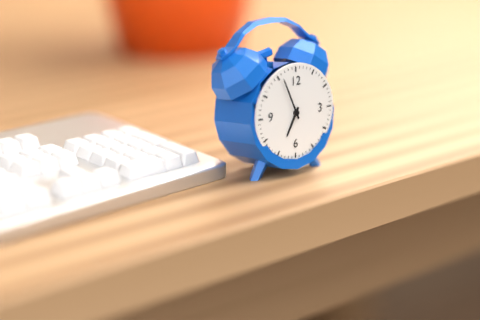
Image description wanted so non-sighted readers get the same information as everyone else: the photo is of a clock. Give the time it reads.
6:56
